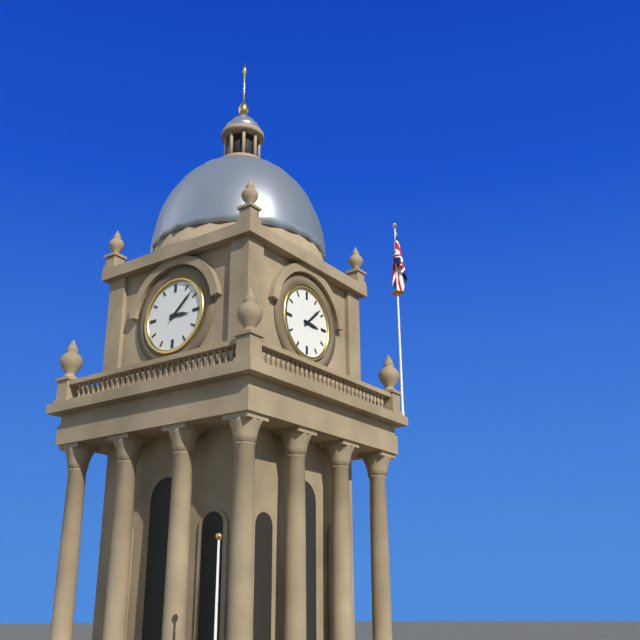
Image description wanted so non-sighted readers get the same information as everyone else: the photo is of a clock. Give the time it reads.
3:08
